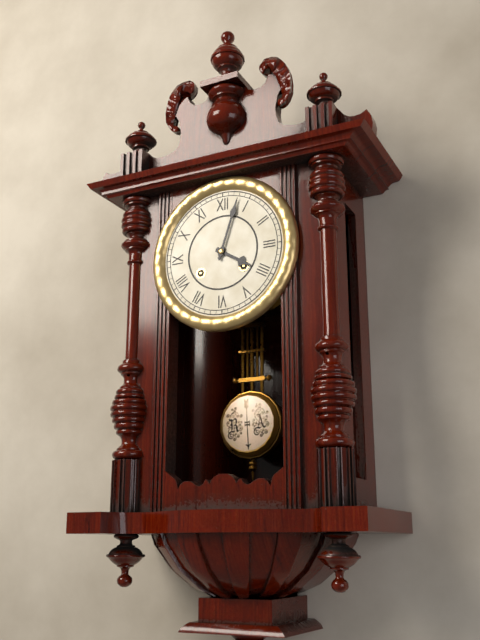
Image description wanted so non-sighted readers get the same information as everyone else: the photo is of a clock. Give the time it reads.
4:03
